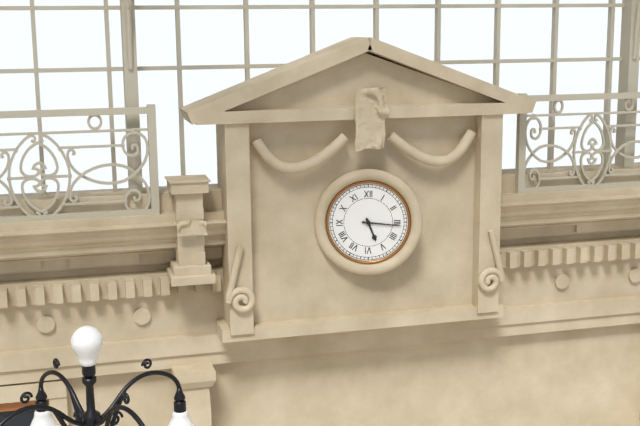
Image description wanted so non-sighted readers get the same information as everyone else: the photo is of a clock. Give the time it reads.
5:16
